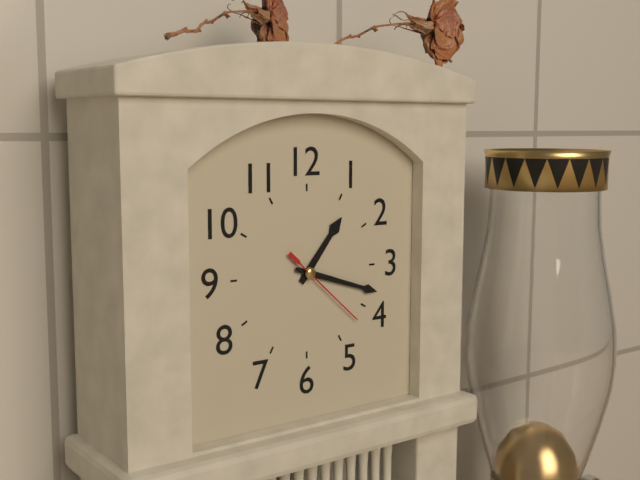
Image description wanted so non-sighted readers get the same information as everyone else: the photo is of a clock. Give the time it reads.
1:18:22
